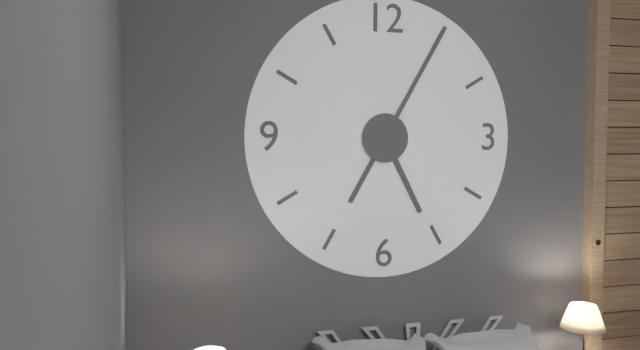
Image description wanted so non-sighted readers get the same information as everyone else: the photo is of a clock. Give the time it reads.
5:05
